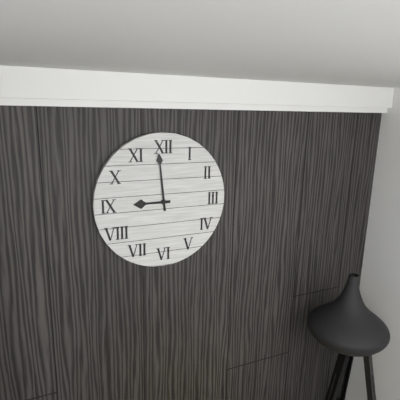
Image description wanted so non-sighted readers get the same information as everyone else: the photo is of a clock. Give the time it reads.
8:59
